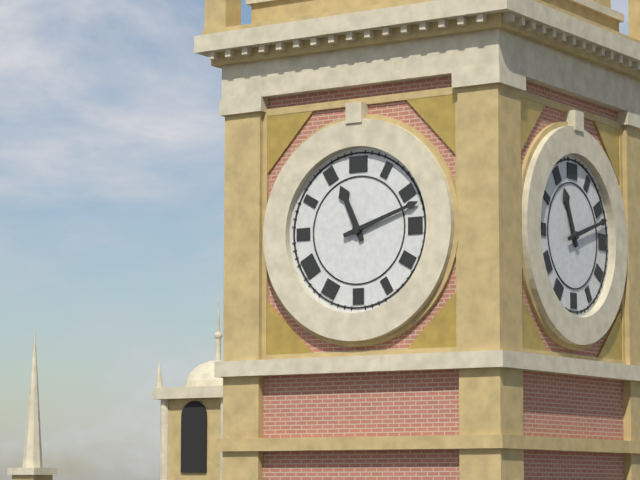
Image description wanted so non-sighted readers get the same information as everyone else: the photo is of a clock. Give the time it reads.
11:12
